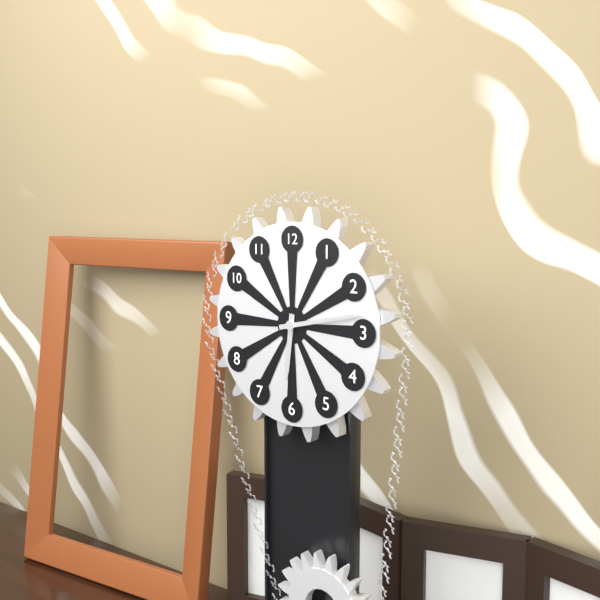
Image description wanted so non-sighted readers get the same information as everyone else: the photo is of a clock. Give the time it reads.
6:13
